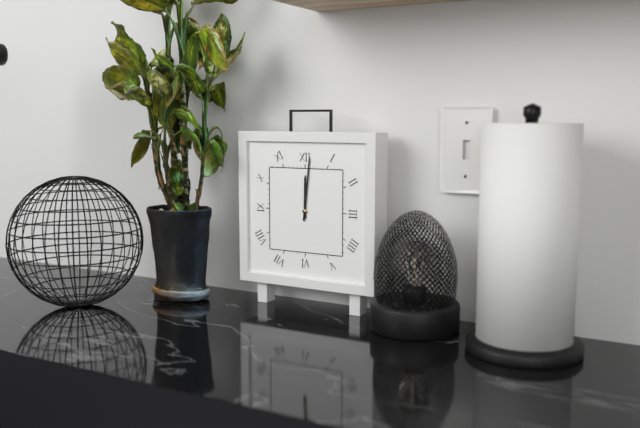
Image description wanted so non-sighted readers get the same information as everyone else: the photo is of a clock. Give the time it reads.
12:01
